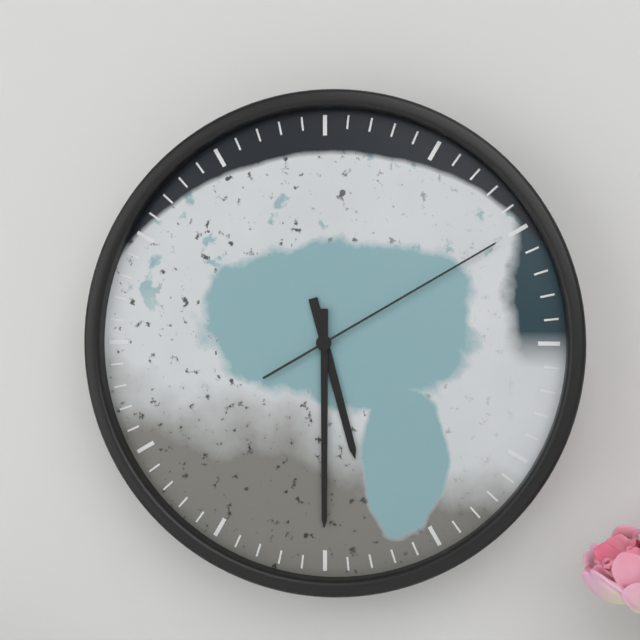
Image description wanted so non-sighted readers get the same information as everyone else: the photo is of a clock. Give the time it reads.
5:30:10
